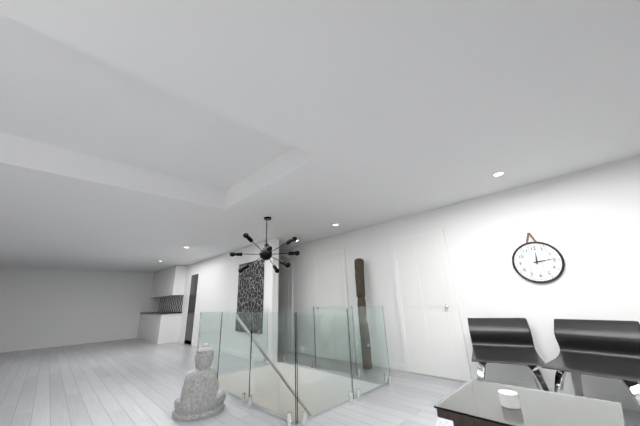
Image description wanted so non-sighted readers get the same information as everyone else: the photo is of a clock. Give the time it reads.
12:14
